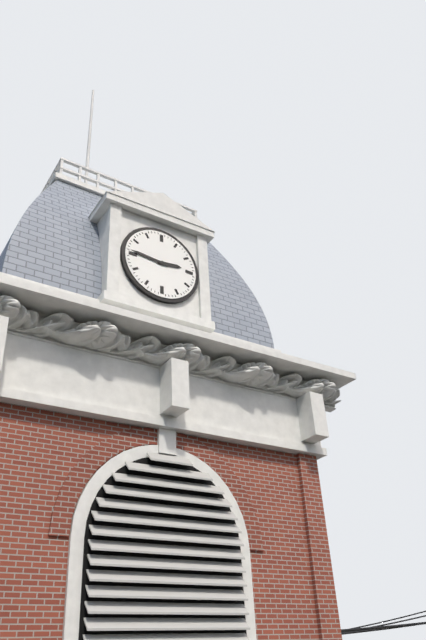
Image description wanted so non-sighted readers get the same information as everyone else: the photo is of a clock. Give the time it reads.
2:46
